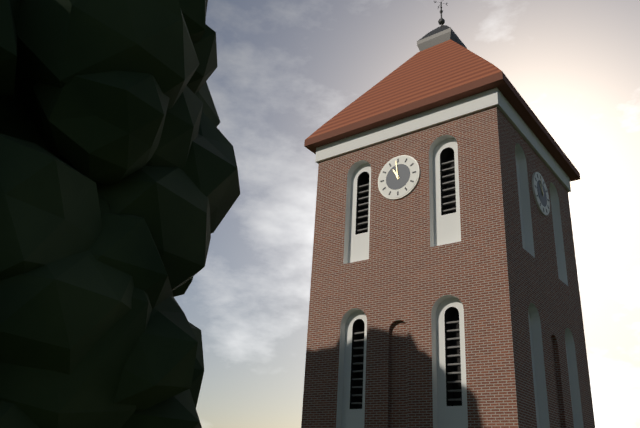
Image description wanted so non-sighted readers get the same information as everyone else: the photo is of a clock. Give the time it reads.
10:59
